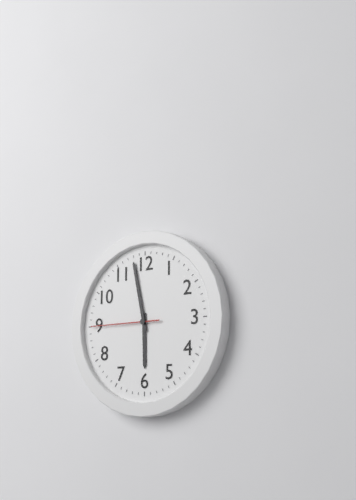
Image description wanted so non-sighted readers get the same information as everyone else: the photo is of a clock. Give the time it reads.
5:58:45
